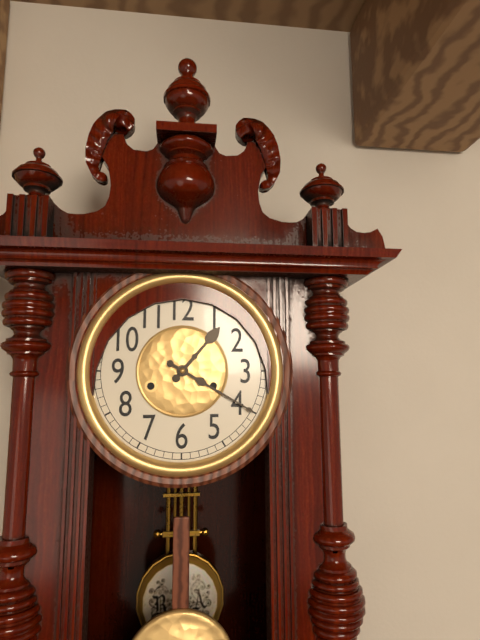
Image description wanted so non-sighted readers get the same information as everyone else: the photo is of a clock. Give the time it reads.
1:20
